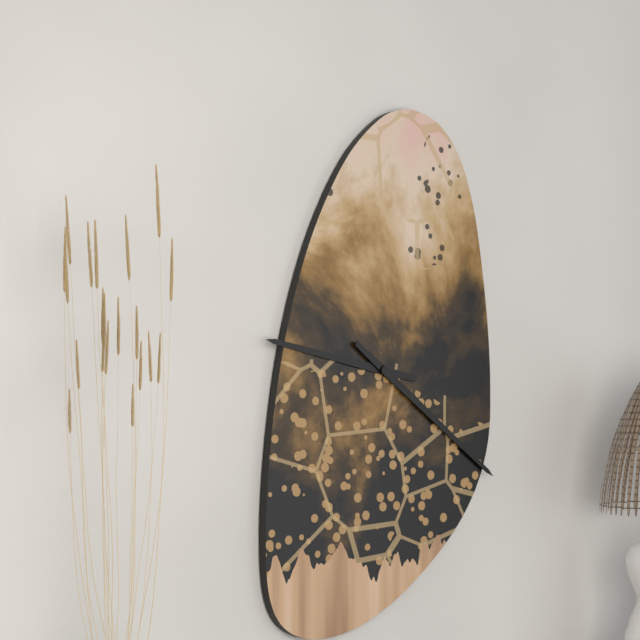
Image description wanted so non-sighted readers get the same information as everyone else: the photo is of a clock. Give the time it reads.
9:21
